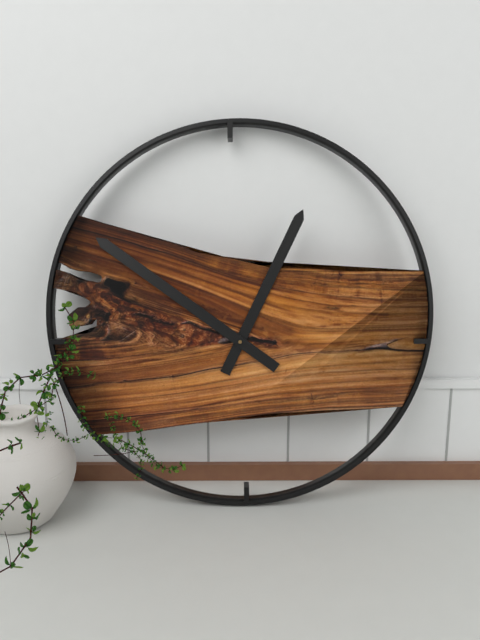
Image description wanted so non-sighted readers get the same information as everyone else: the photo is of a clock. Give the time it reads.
12:51
